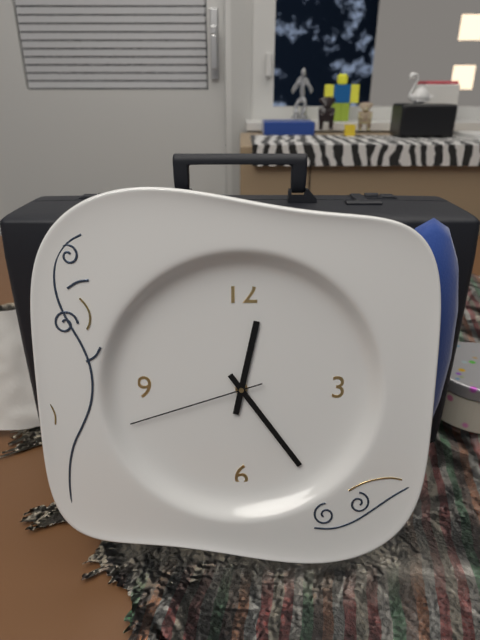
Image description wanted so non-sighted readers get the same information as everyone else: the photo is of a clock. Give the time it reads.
12:24:42
